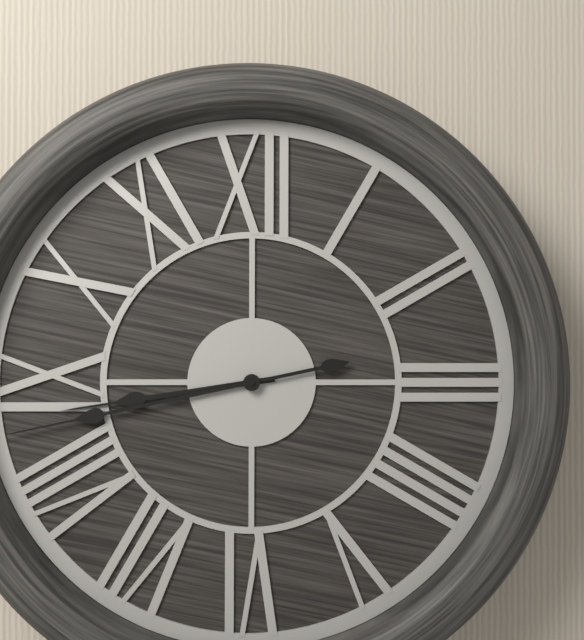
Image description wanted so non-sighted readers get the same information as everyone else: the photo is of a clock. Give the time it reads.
8:43
